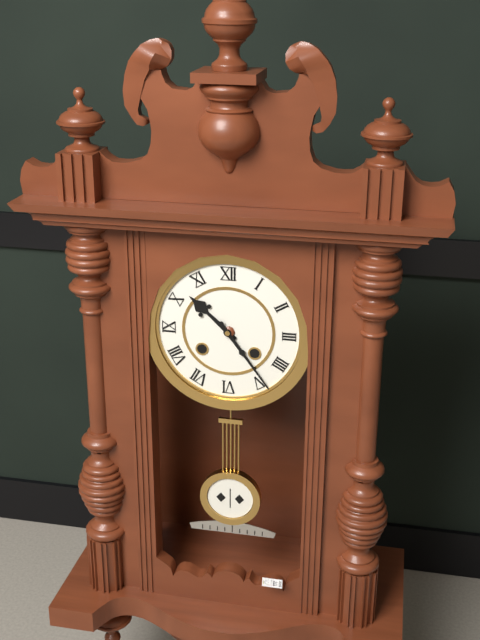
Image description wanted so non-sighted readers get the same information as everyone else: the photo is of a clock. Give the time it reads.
10:24
